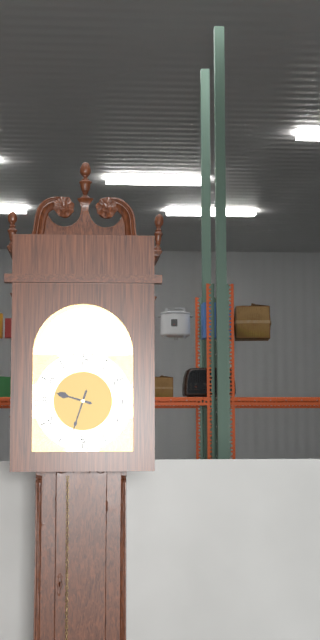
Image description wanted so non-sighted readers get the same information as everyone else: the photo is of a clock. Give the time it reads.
9:33
